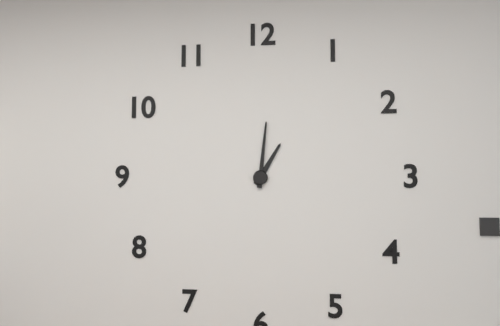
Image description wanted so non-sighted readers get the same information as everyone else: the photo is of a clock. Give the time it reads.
1:01
